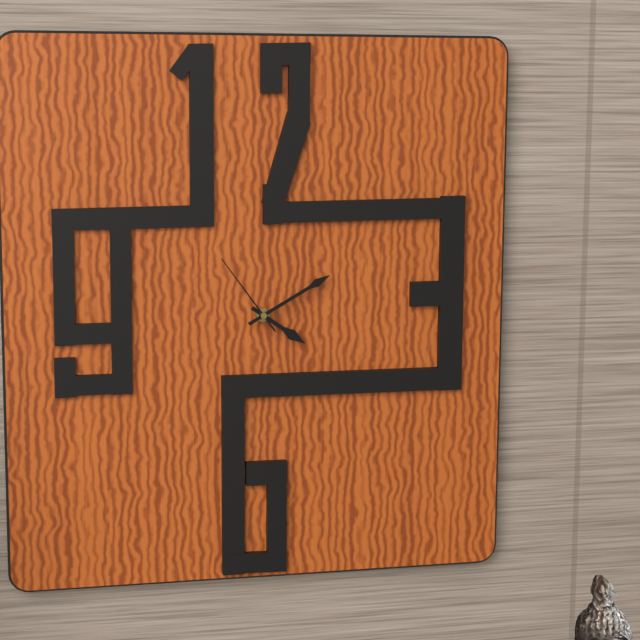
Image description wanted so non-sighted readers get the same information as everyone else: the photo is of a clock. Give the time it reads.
4:10:54
